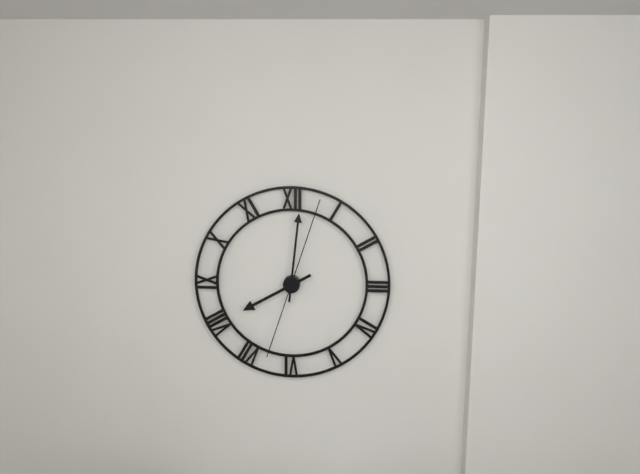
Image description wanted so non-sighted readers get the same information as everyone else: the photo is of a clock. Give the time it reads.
8:01:03
